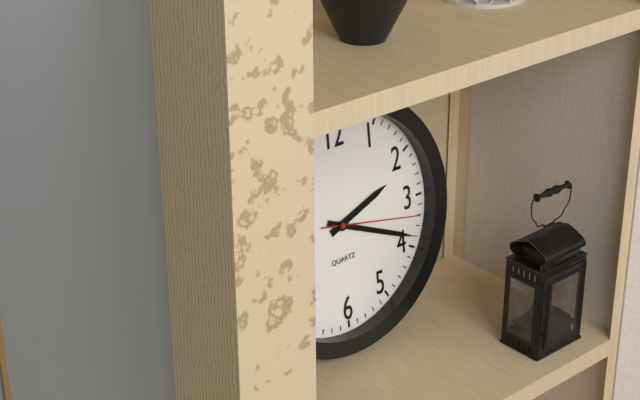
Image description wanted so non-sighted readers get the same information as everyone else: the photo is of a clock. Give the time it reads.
2:19:17
